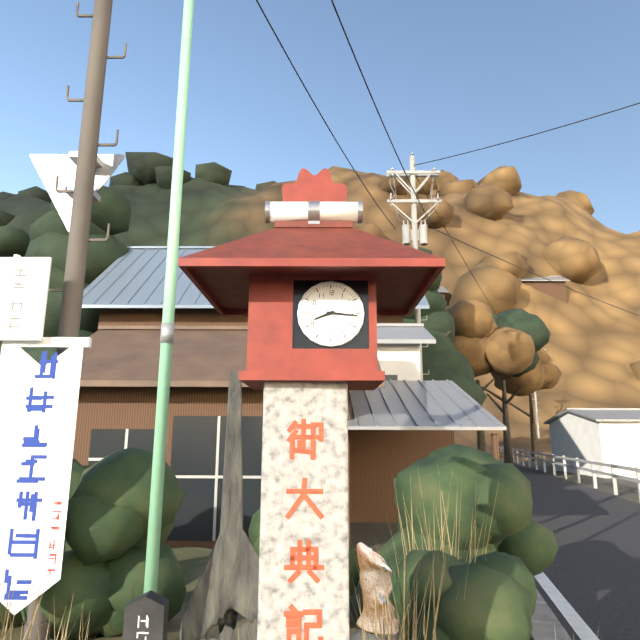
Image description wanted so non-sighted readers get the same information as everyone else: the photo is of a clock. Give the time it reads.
8:16
